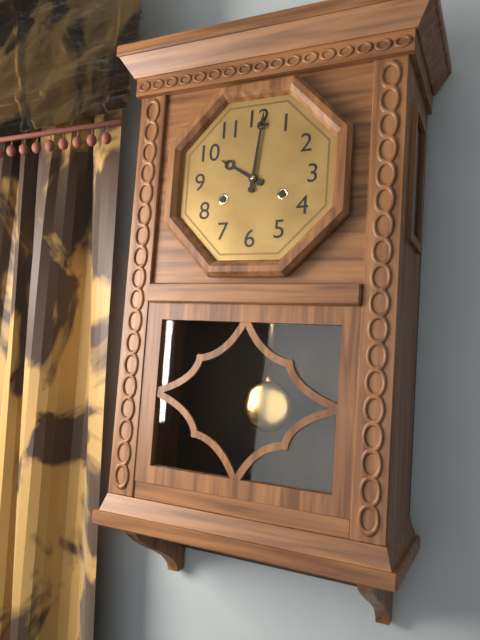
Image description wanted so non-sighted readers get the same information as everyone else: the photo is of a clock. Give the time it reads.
10:01
